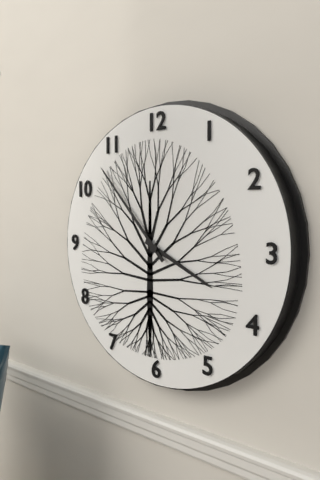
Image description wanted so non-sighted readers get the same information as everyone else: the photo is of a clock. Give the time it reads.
3:53
